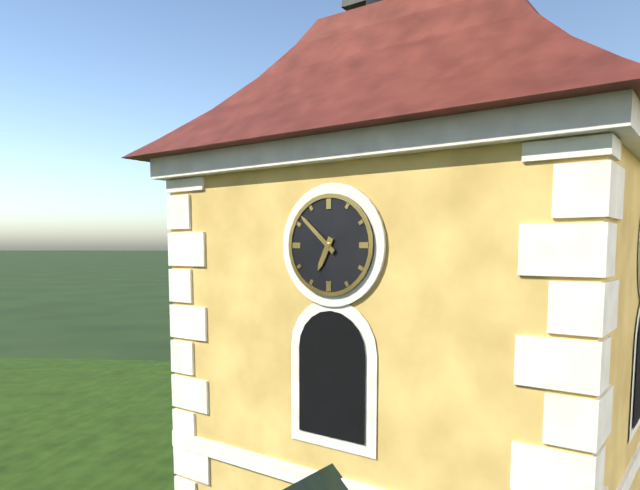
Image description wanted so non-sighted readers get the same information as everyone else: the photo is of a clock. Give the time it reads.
6:52
